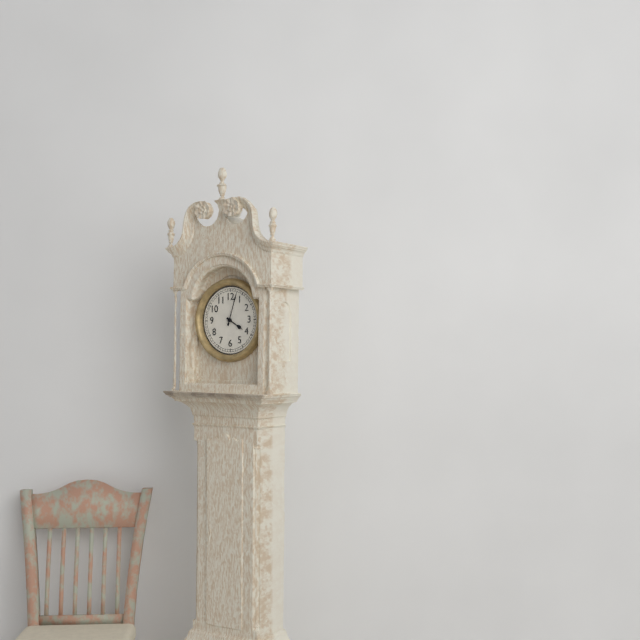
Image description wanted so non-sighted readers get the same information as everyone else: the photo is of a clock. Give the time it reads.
4:03
